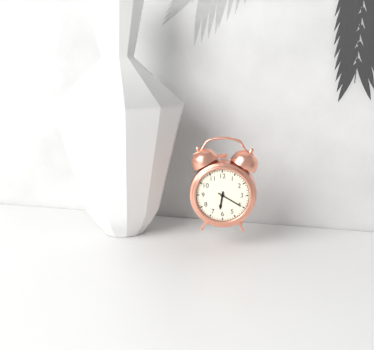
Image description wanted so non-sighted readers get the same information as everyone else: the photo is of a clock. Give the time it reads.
6:20
